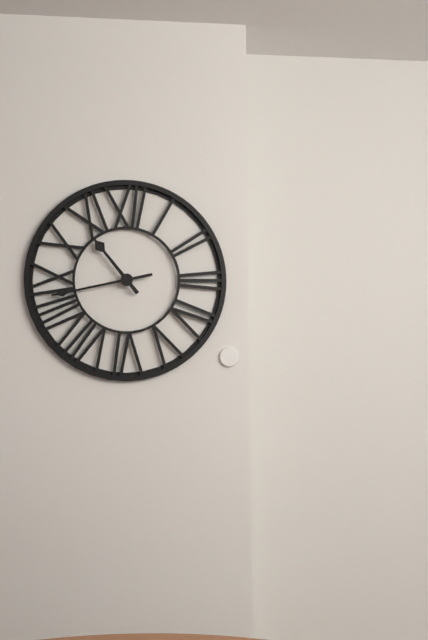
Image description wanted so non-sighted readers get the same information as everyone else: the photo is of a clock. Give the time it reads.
10:43
